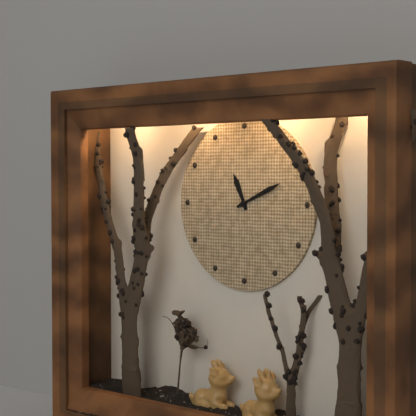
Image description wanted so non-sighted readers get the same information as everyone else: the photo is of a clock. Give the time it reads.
11:11
